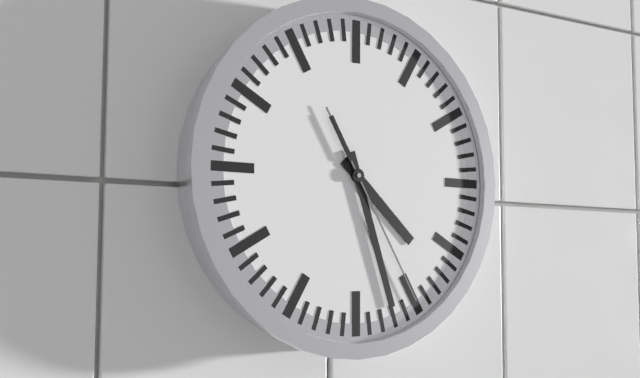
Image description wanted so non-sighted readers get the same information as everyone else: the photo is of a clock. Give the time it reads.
4:27:25
